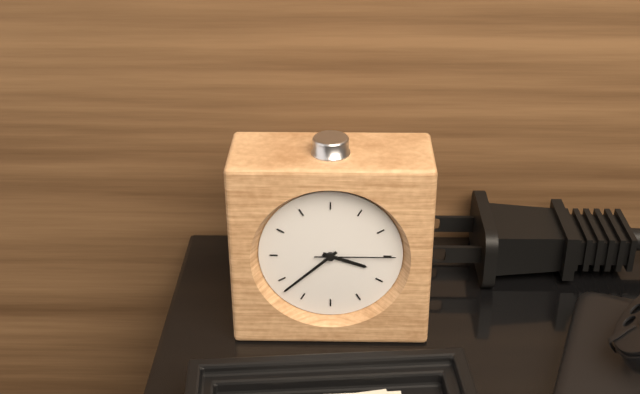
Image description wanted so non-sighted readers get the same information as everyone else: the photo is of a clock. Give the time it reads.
3:38:15
